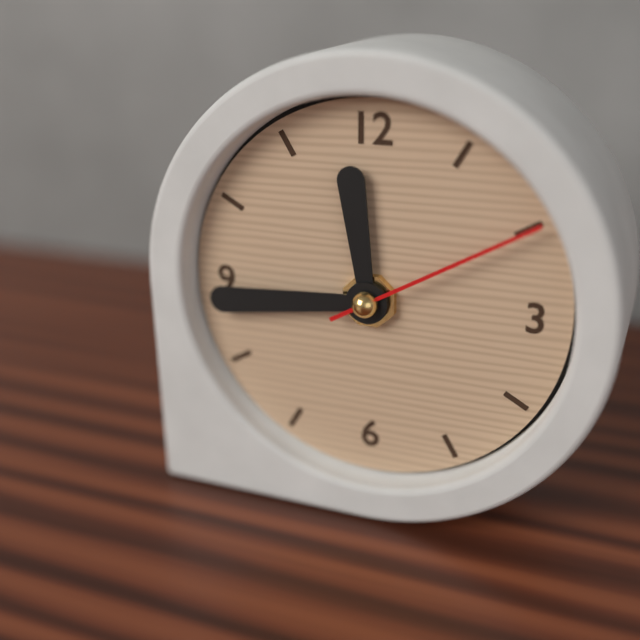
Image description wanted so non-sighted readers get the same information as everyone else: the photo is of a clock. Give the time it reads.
11:44:10
